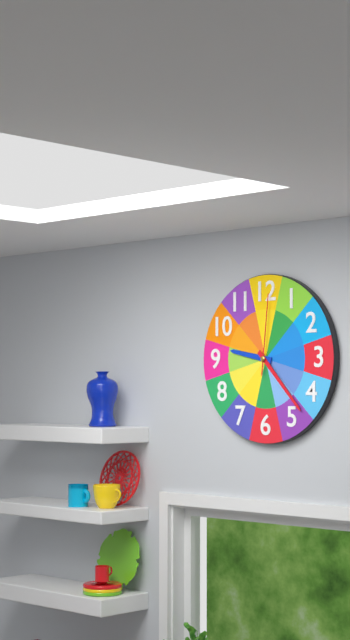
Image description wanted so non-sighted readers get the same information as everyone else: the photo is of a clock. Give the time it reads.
9:23:01
